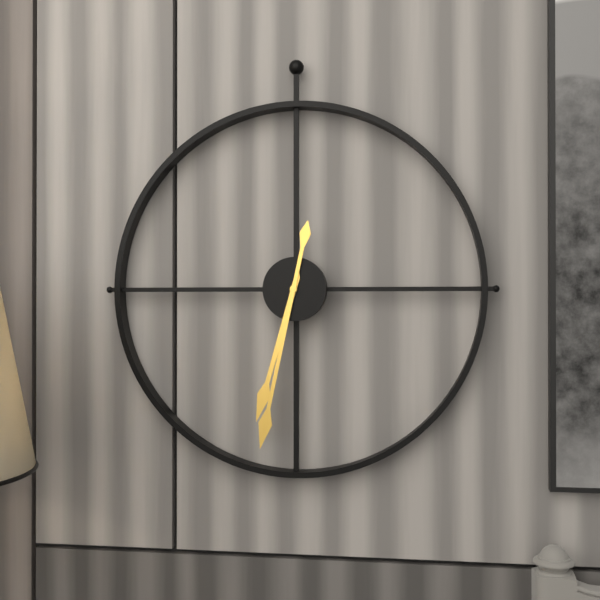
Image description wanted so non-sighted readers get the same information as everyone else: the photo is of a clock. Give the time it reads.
6:32
